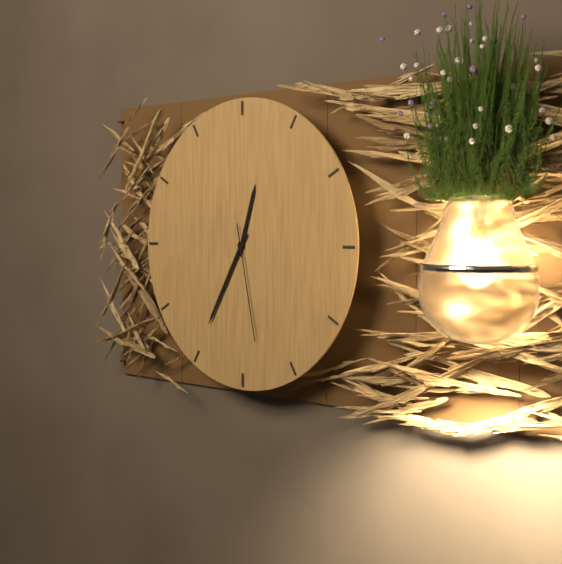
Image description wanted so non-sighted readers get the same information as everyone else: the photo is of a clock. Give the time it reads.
12:35:28
